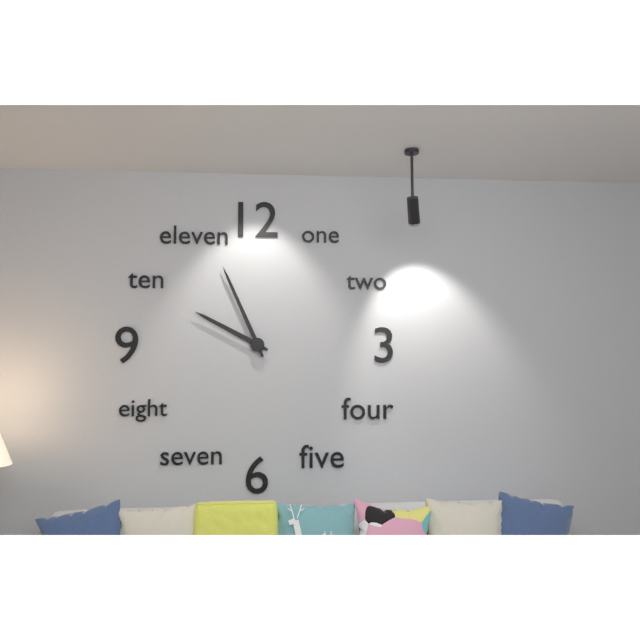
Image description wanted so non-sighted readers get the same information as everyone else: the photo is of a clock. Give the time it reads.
9:56
